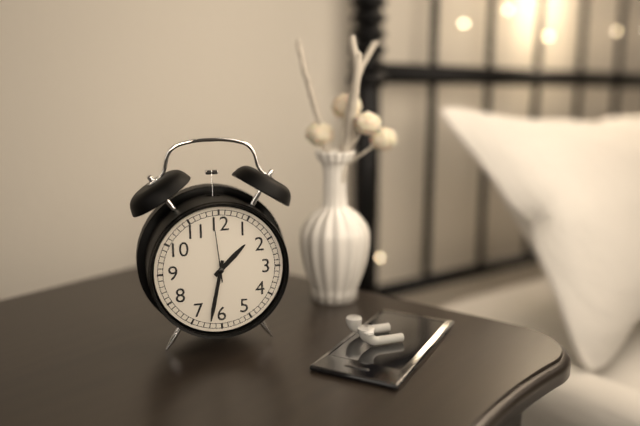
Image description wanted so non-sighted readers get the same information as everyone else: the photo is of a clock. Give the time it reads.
1:32:59
